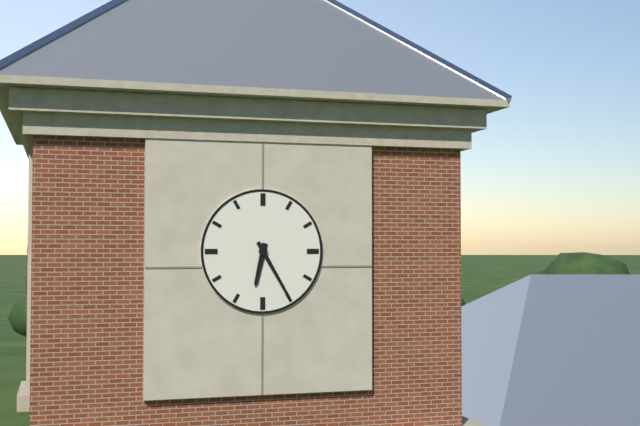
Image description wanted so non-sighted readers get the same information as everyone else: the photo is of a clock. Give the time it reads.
6:25
